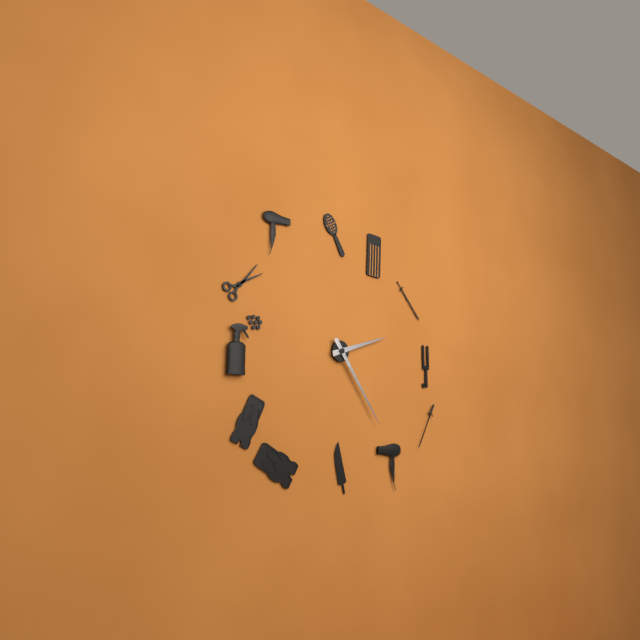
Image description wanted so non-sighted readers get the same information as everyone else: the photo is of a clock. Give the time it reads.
2:24
